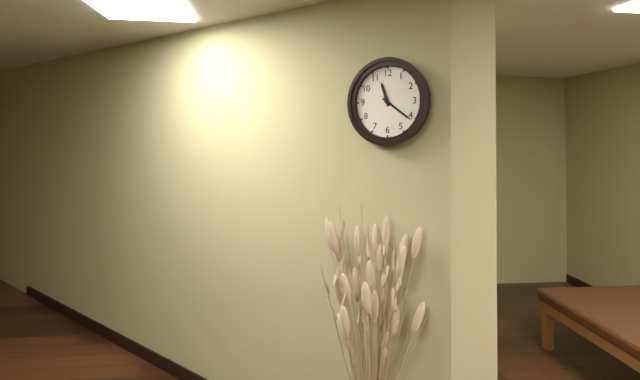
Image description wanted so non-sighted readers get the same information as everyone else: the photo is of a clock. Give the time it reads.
11:21
